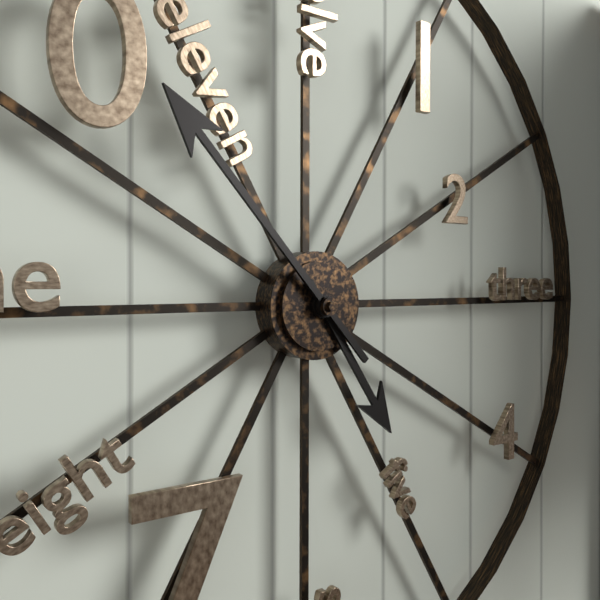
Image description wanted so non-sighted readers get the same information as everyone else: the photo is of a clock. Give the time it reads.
4:53
